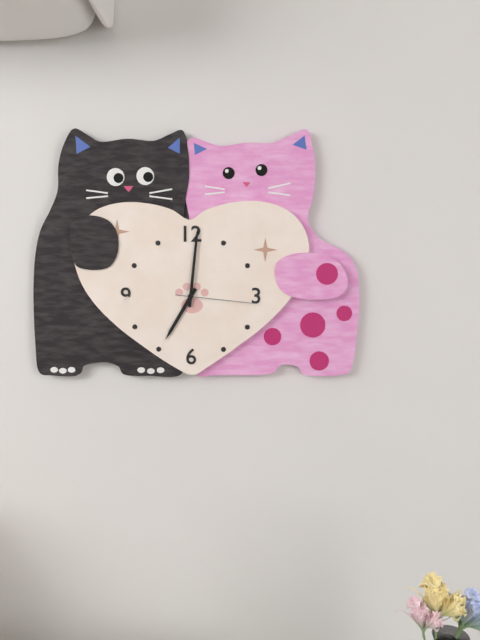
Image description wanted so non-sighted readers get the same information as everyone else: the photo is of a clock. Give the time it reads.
7:01:16
